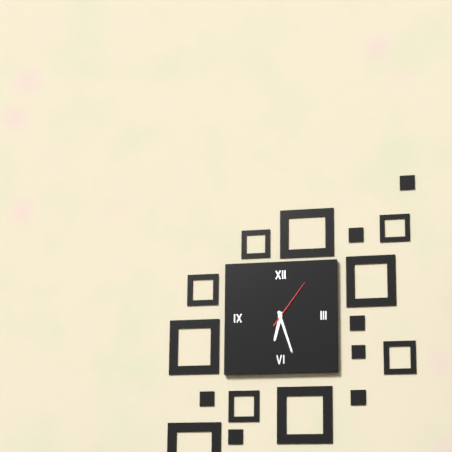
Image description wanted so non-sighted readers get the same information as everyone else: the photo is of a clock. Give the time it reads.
6:27:06
